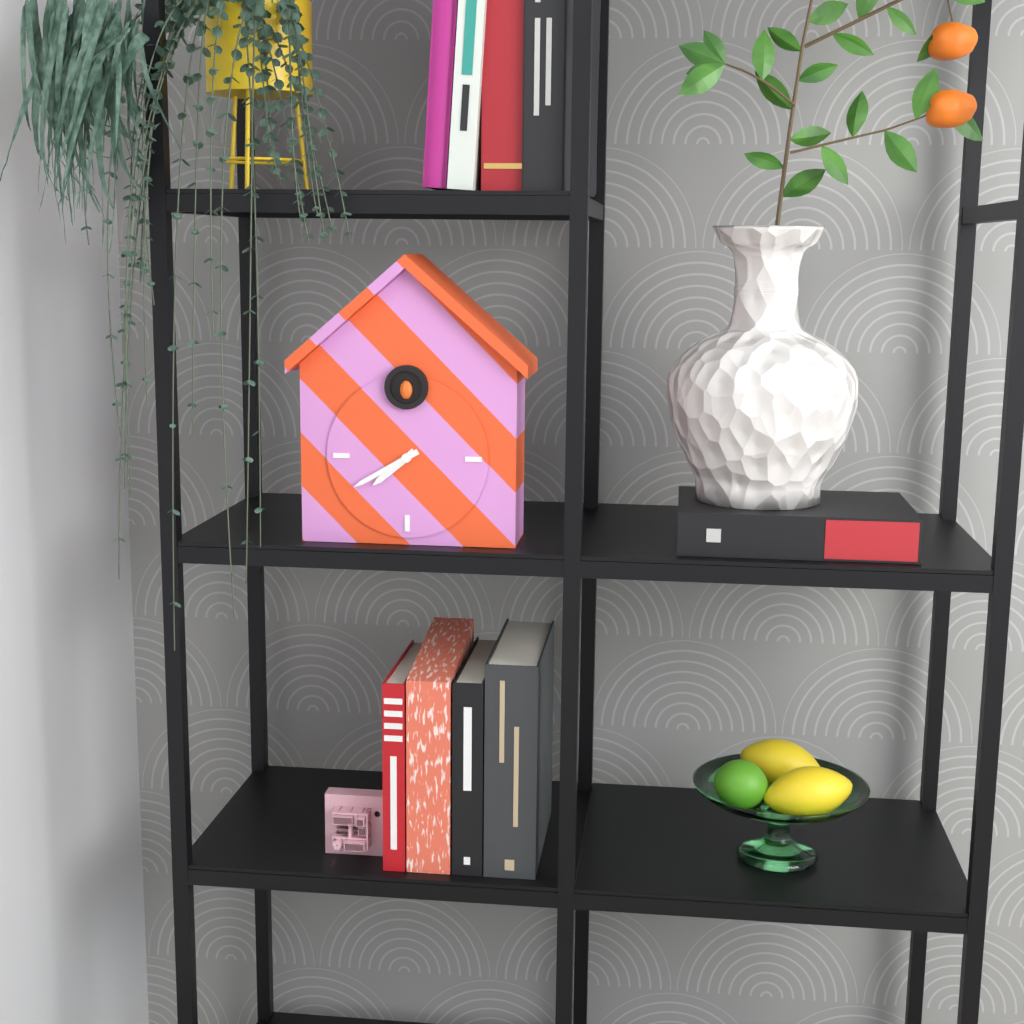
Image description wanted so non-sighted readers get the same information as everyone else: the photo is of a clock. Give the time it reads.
7:40
